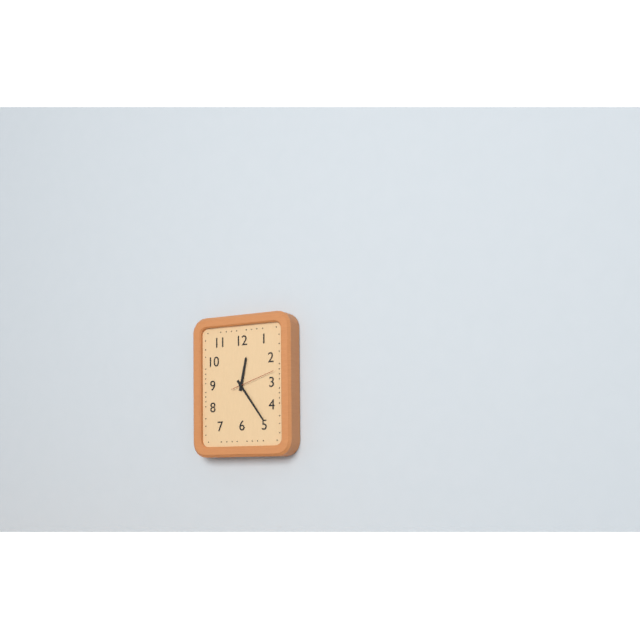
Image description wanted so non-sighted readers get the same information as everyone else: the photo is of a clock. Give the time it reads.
12:24
